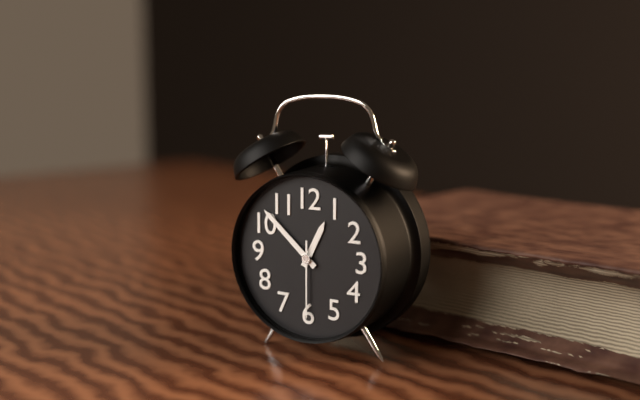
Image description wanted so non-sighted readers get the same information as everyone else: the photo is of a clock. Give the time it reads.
12:52:30
